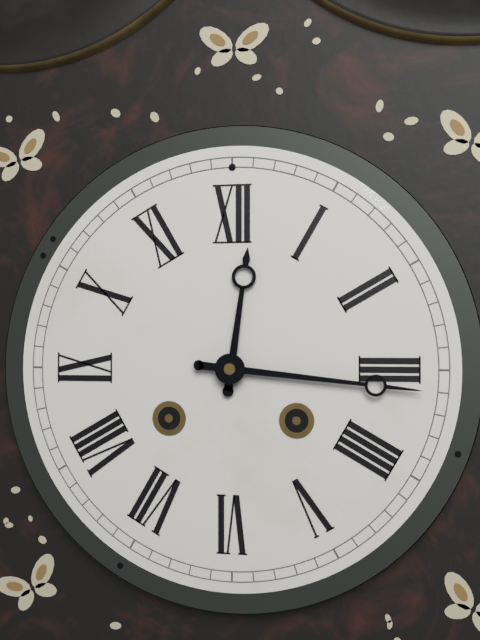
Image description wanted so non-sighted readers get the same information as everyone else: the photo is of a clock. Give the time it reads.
12:16
